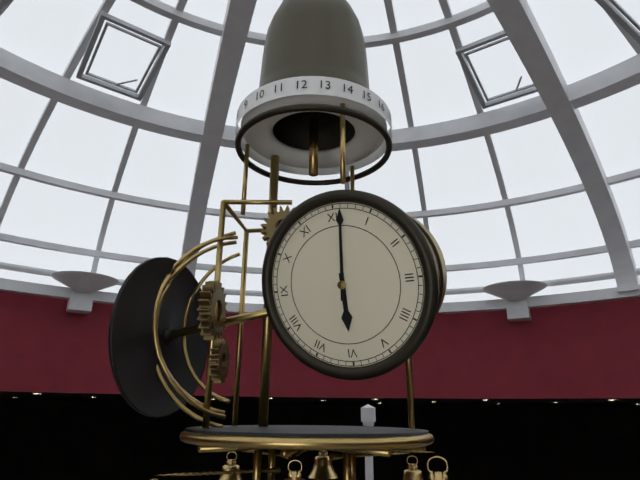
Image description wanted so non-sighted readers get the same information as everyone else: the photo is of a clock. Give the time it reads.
6:01
